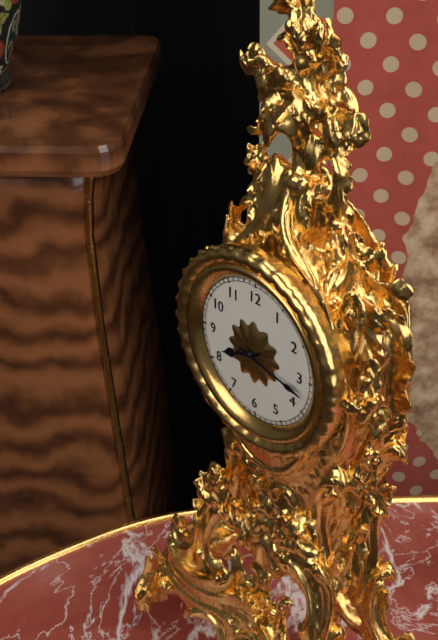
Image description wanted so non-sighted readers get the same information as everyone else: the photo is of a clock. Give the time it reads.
8:17
